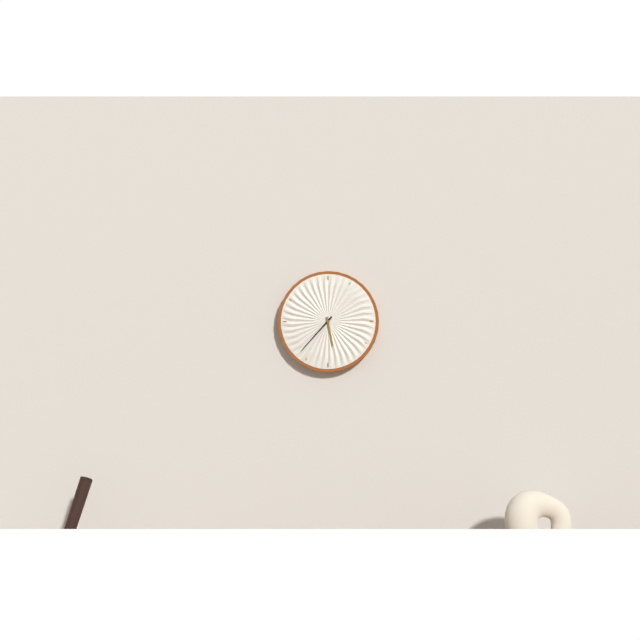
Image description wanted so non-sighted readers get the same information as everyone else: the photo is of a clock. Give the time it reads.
5:37
